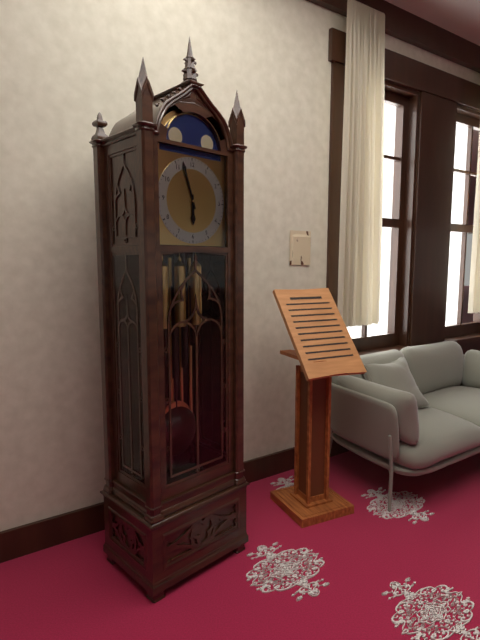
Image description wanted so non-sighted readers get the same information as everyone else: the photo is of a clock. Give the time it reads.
5:57
